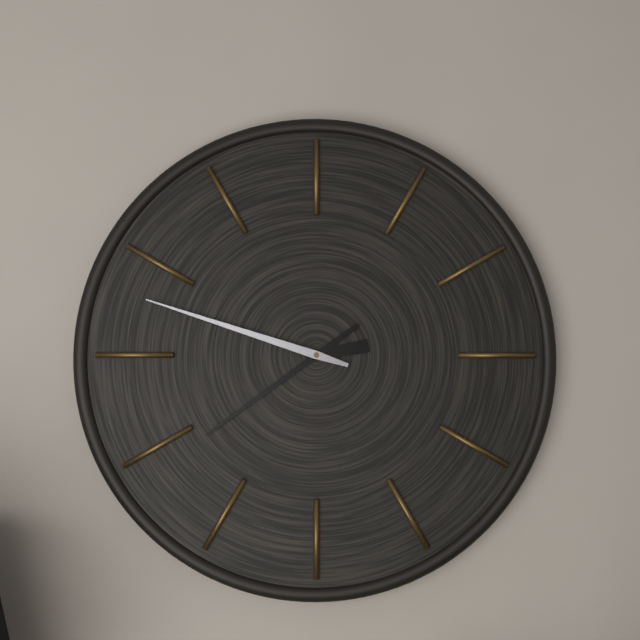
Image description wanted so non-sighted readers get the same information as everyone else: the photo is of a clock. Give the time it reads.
2:39:48
